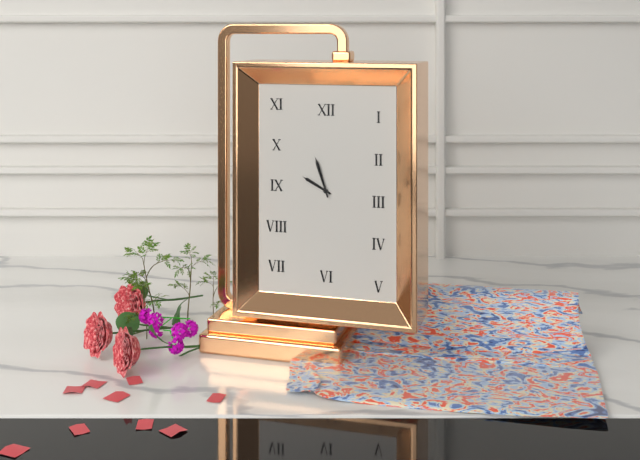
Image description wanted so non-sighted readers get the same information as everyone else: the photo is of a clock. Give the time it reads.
9:57
